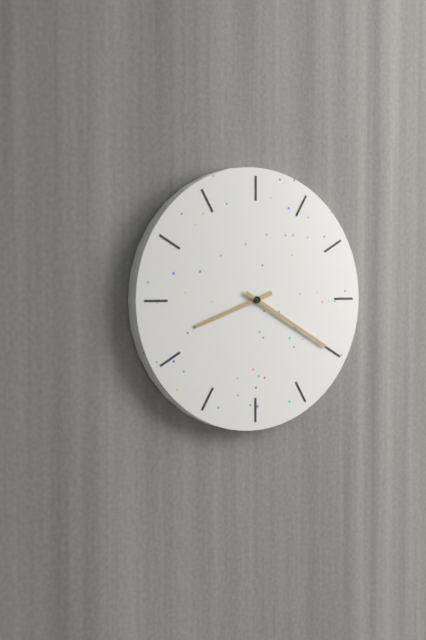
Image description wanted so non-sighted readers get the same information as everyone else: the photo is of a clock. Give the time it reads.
8:20
